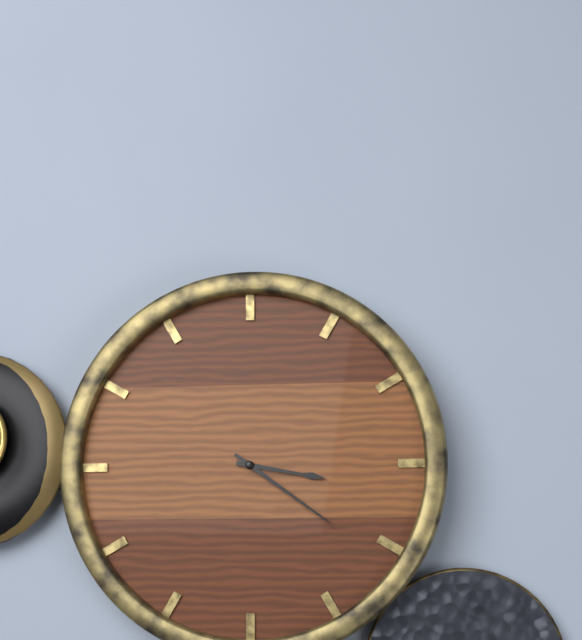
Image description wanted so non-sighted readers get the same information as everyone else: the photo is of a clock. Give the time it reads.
3:21
